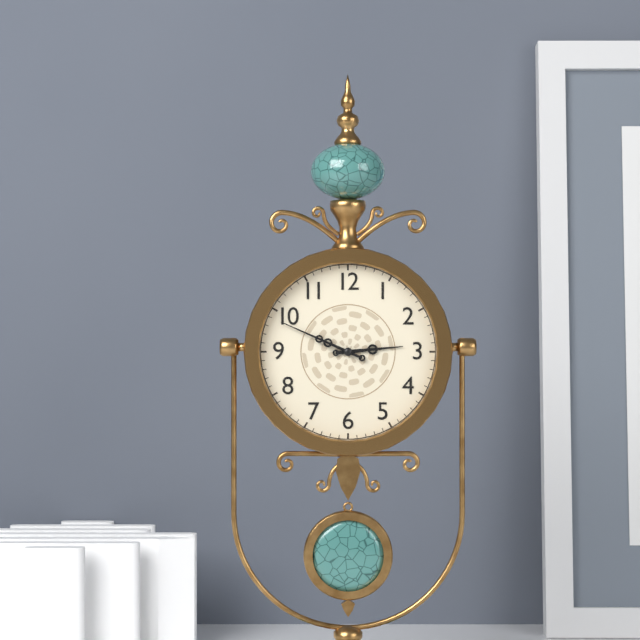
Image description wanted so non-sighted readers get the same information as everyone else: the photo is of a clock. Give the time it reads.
2:49
